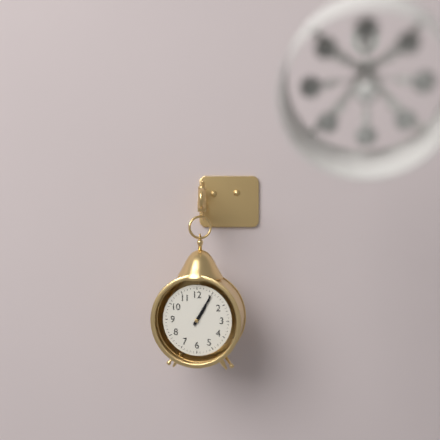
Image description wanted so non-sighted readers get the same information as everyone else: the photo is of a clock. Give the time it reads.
1:05
